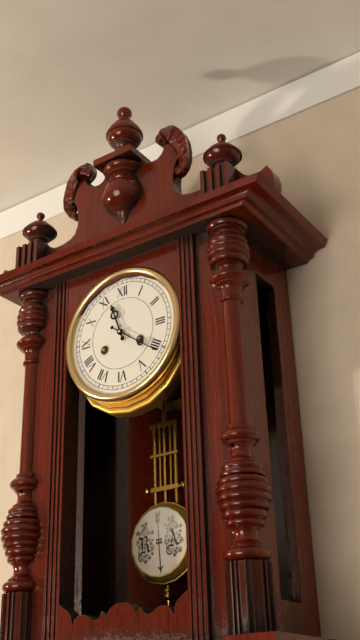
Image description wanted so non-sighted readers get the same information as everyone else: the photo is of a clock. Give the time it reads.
11:21
